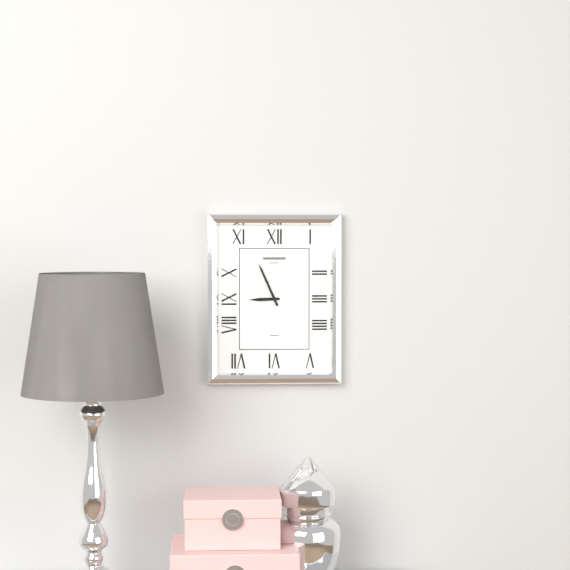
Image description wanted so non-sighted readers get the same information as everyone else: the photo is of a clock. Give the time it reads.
8:56
